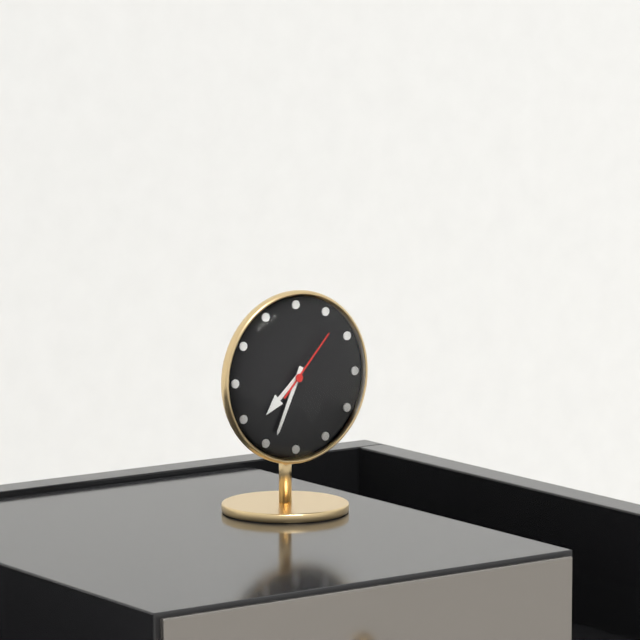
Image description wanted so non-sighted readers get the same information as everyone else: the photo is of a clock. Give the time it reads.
7:34:07
